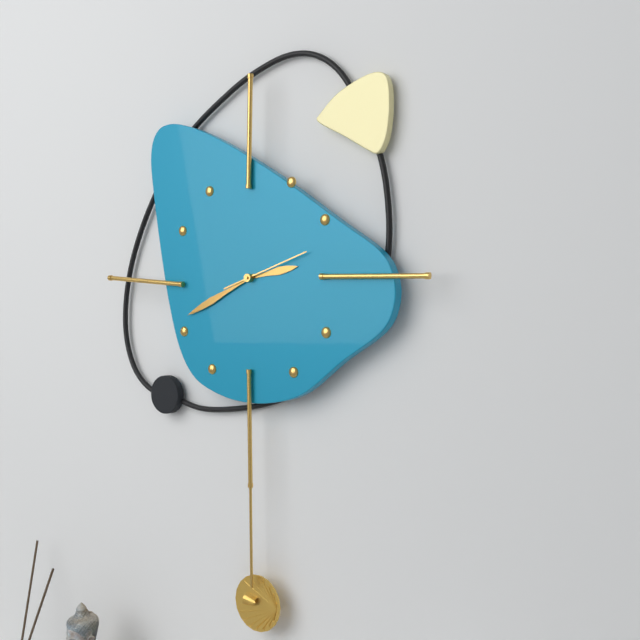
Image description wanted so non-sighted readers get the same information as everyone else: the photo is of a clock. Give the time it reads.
2:41:12
